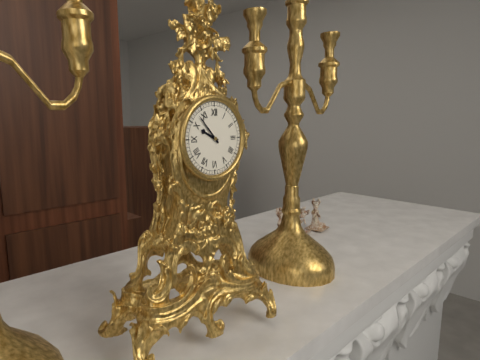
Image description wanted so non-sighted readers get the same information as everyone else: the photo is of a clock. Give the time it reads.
9:53
